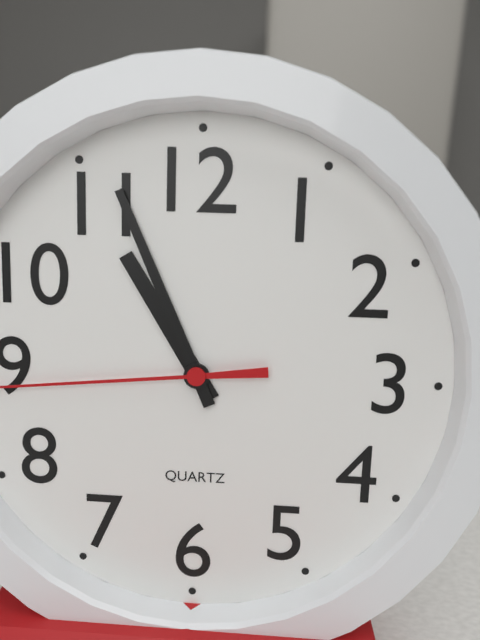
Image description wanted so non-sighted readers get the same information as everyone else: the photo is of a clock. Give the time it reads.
10:56
